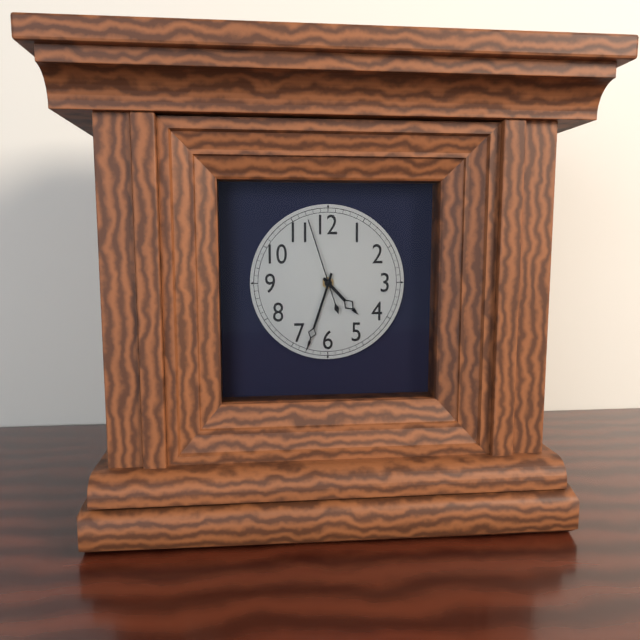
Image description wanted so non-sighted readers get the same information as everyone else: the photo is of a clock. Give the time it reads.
4:33:57
